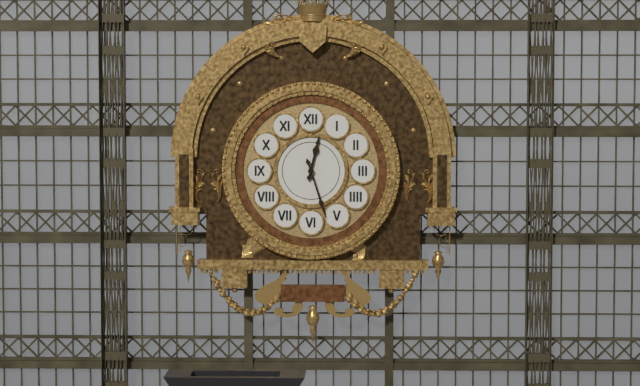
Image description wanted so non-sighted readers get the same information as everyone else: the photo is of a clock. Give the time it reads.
12:27
